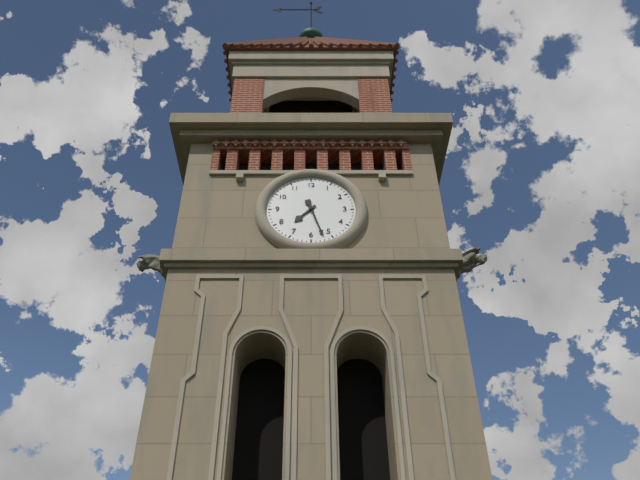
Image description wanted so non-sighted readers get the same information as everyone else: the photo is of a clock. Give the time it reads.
7:27
